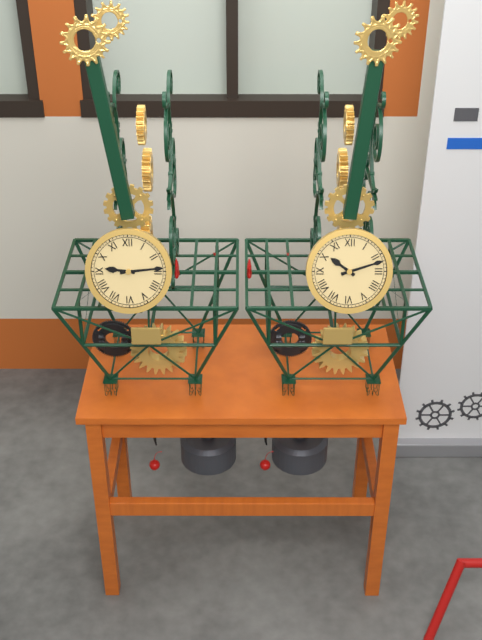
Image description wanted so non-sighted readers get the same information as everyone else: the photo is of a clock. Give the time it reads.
9:14
